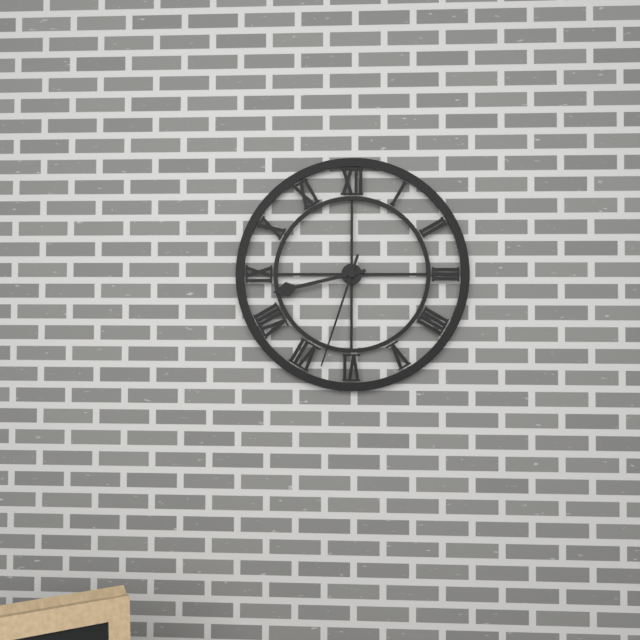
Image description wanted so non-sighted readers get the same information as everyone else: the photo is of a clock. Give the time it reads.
8:33
